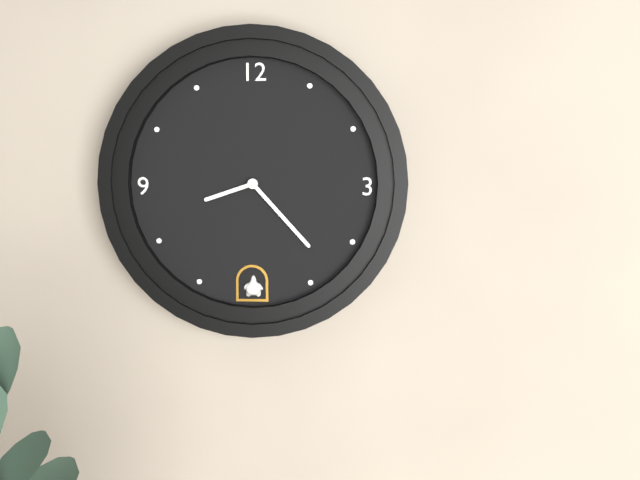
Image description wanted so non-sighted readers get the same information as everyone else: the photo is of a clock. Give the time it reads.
8:23
